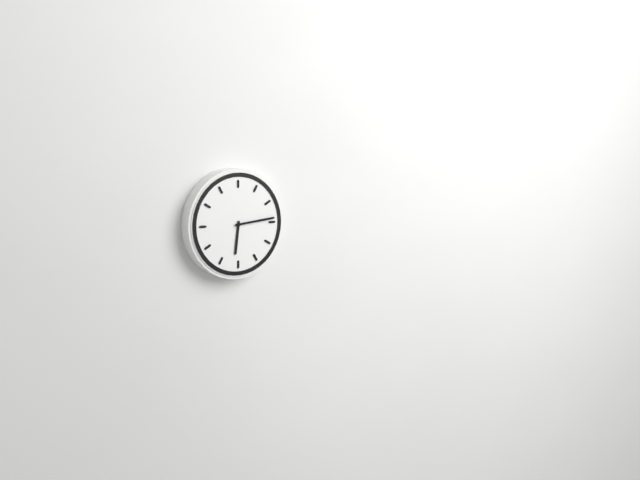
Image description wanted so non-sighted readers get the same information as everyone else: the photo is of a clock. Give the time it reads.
6:14
